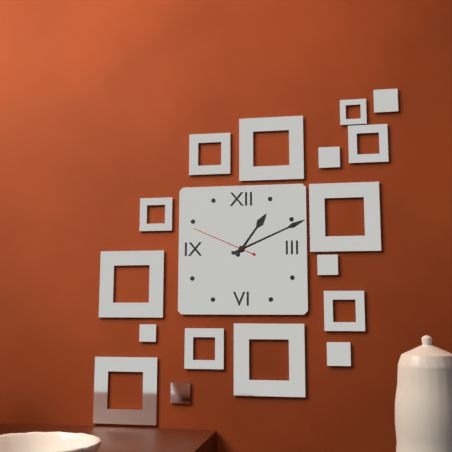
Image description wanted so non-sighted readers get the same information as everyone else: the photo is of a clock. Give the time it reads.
1:11:49
